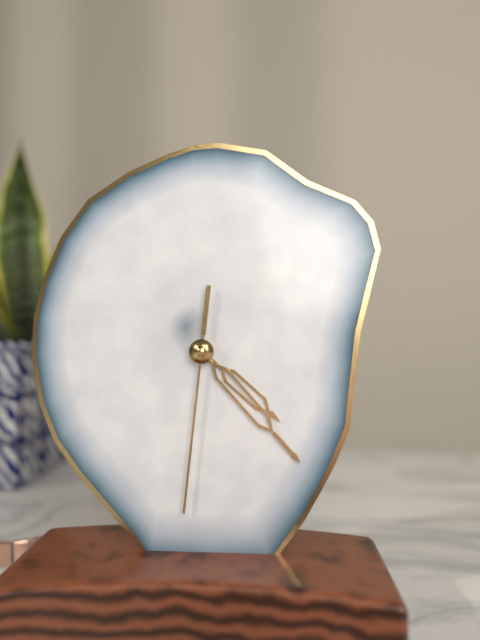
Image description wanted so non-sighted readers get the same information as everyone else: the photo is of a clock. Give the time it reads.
4:23:31
